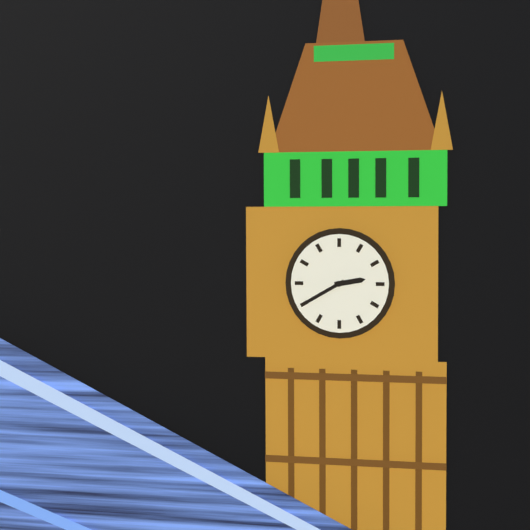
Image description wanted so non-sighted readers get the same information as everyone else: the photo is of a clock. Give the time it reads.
2:40
